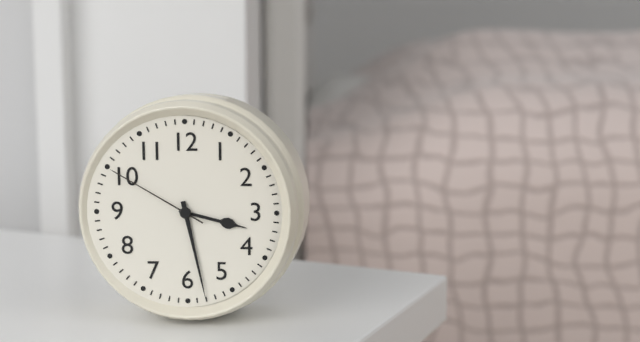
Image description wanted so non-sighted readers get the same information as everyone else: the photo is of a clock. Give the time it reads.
3:28:50
